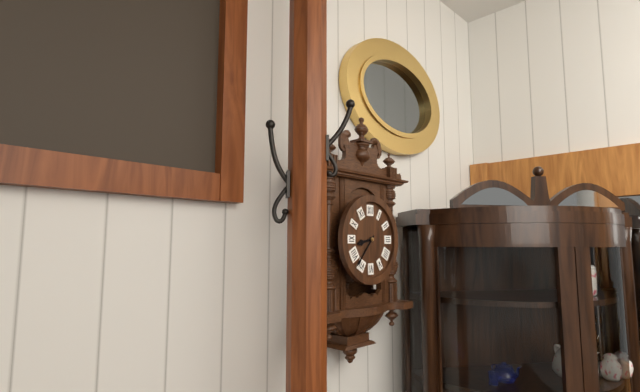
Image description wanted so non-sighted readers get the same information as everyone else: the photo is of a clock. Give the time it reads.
8:37
